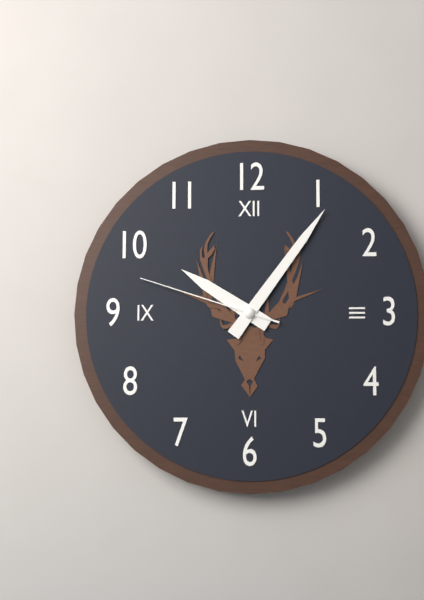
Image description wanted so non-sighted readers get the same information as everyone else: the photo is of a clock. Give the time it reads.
10:06:48
